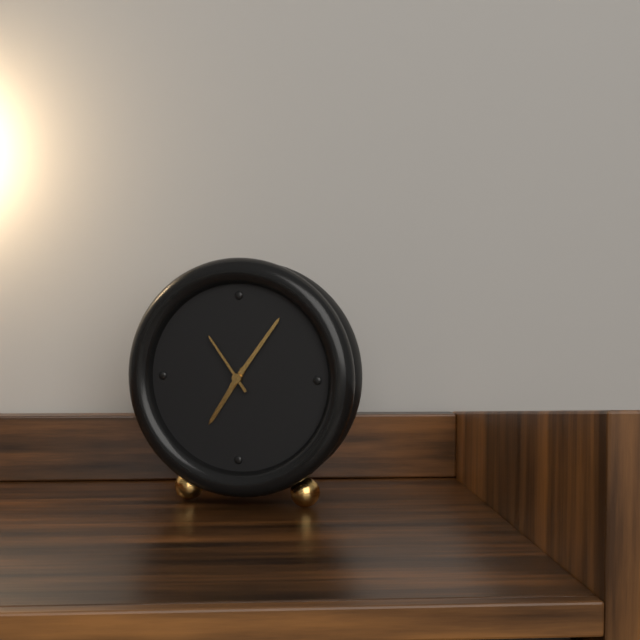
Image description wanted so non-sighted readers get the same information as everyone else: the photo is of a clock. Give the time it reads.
7:06:54
